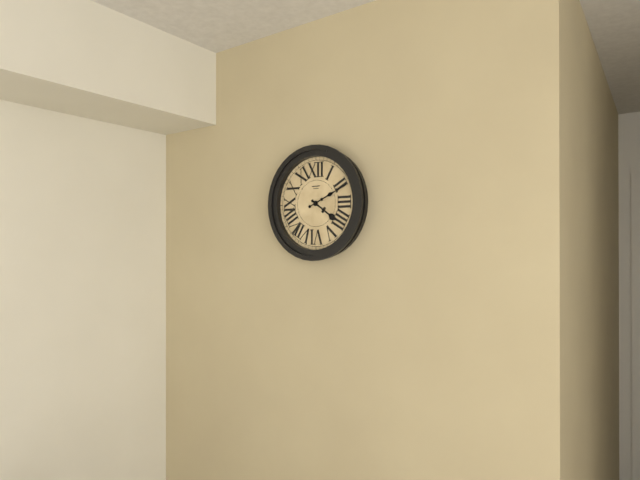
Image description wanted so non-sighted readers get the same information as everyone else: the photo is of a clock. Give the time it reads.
4:11
